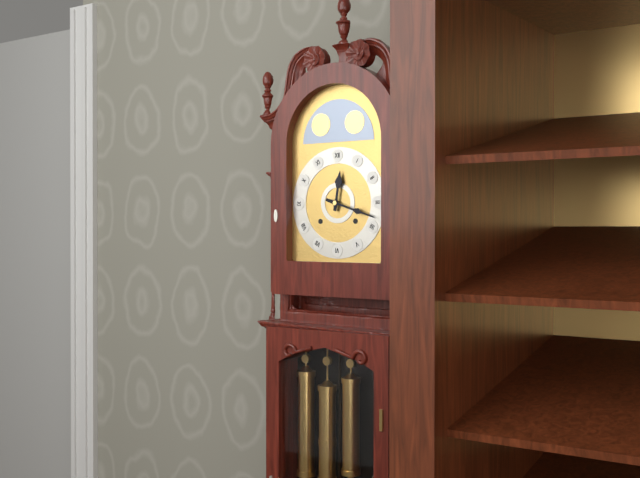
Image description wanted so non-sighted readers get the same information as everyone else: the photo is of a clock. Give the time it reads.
12:18
